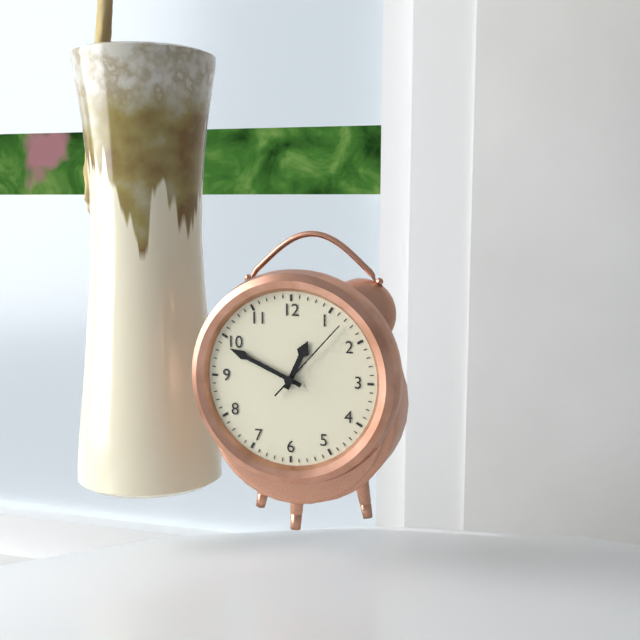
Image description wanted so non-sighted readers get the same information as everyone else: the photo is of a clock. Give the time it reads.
12:49:07
